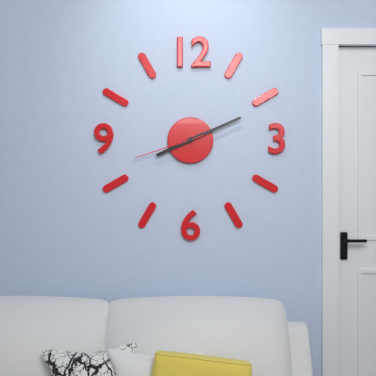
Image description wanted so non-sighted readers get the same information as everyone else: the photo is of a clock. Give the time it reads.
8:11:42
